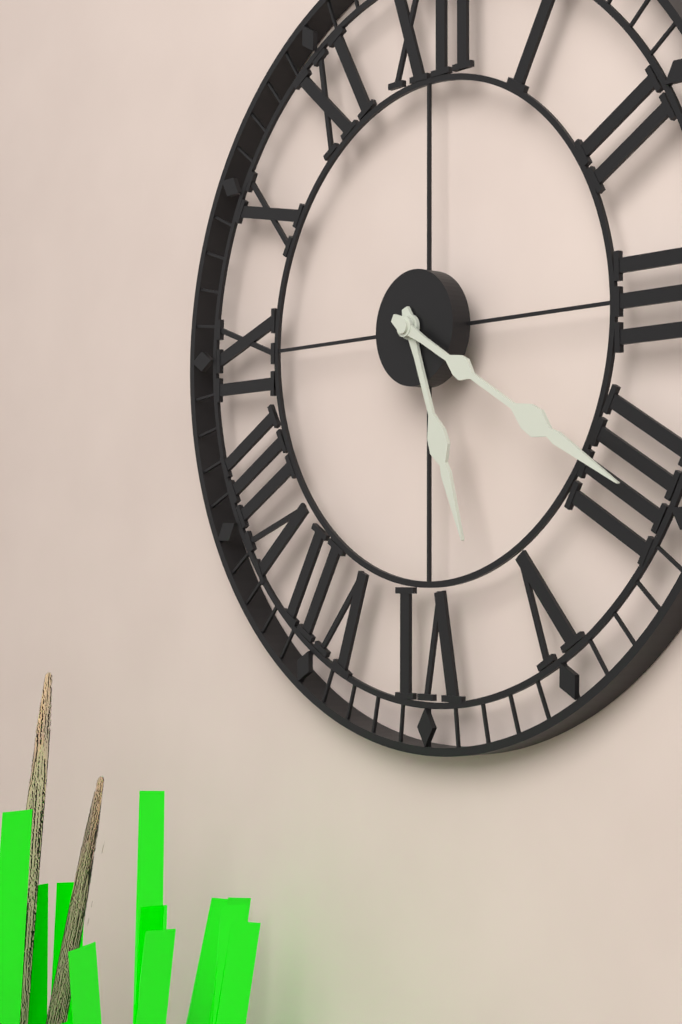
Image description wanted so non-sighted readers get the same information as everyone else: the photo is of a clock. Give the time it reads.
5:20
